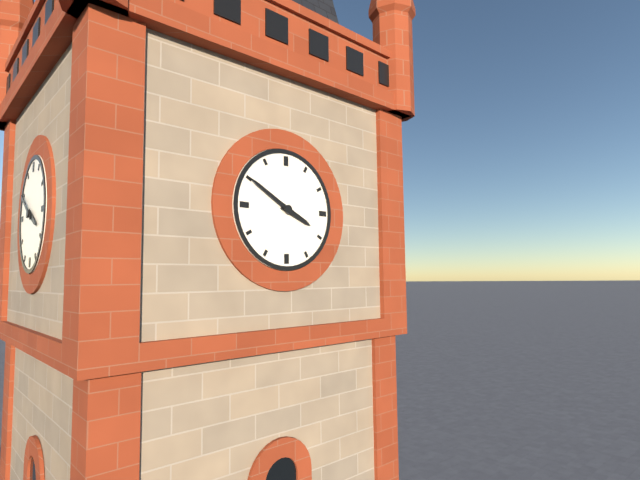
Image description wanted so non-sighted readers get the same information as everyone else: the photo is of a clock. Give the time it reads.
3:50
